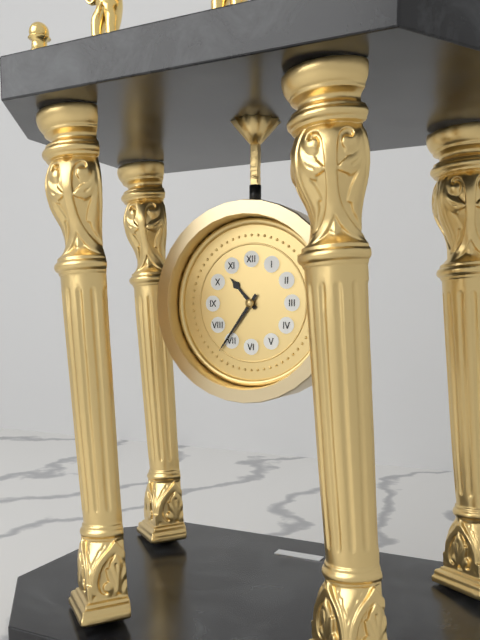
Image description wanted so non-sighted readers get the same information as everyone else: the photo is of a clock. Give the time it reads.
10:36
